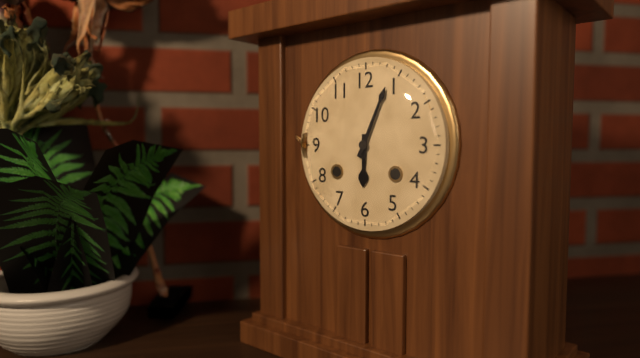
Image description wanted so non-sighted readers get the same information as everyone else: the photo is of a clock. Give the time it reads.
6:04
